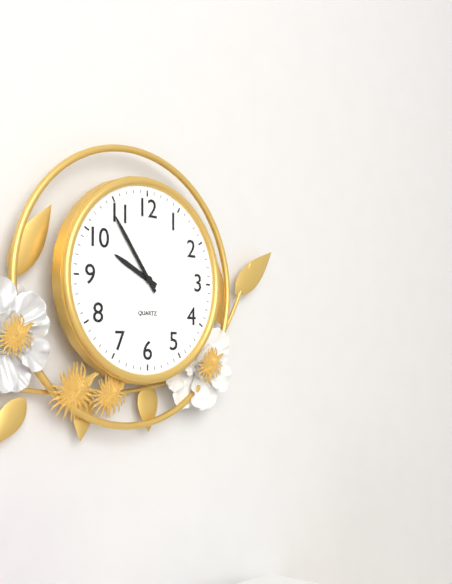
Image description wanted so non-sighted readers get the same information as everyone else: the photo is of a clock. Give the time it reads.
9:54
